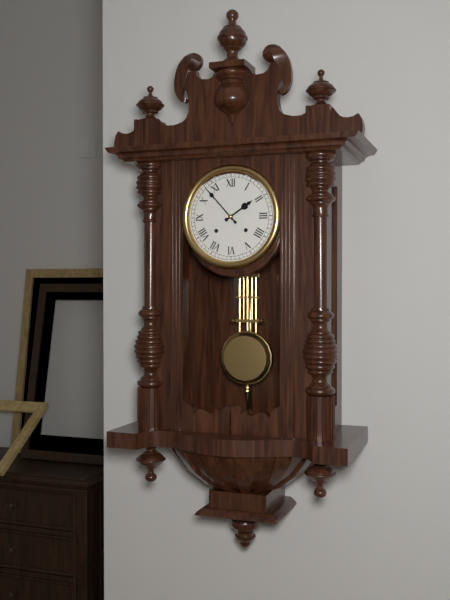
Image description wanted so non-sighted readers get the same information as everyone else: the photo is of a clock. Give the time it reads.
1:53
